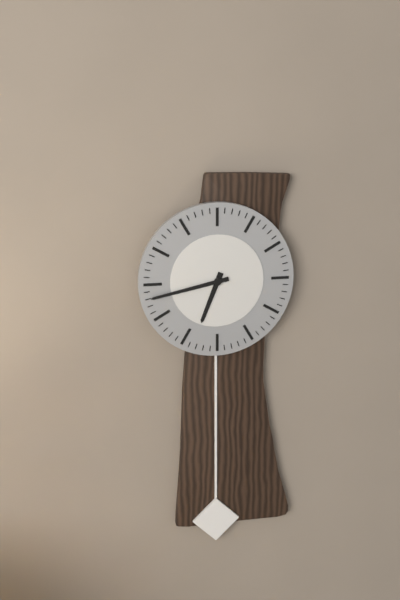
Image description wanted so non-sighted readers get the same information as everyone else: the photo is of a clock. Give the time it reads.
6:43
